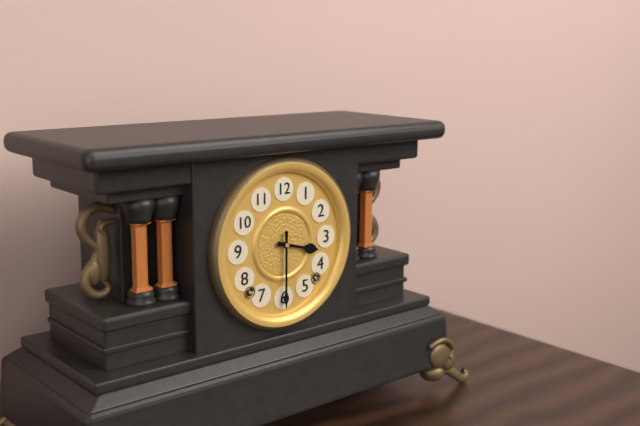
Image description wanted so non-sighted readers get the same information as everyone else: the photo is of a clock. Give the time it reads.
3:30
